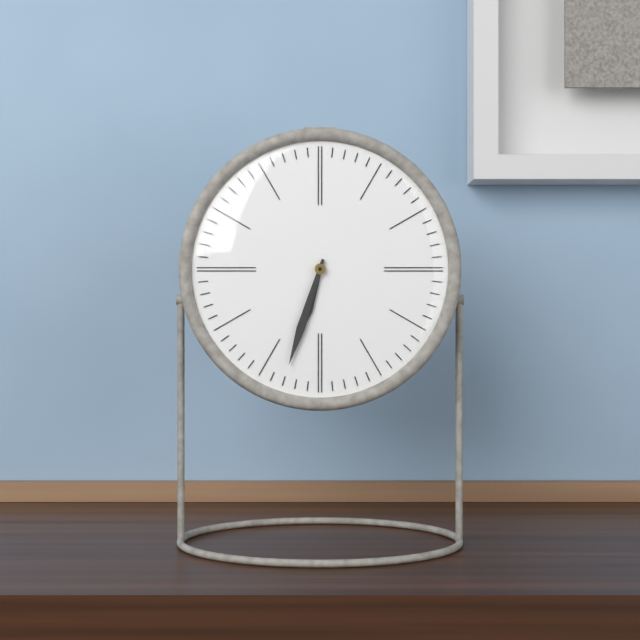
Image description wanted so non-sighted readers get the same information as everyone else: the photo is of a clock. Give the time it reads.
6:33
